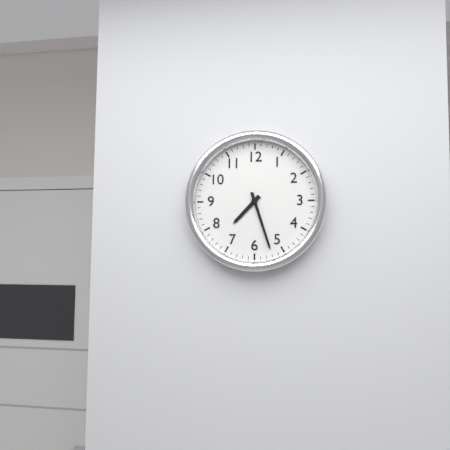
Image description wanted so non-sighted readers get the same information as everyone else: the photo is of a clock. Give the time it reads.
7:27
